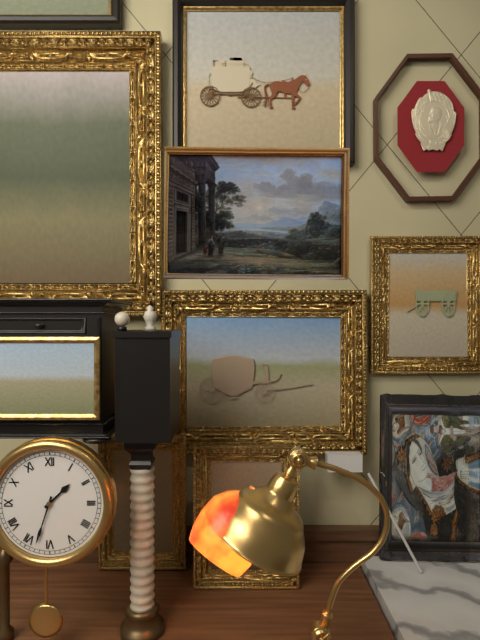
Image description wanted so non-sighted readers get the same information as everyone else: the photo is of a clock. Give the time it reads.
1:33
